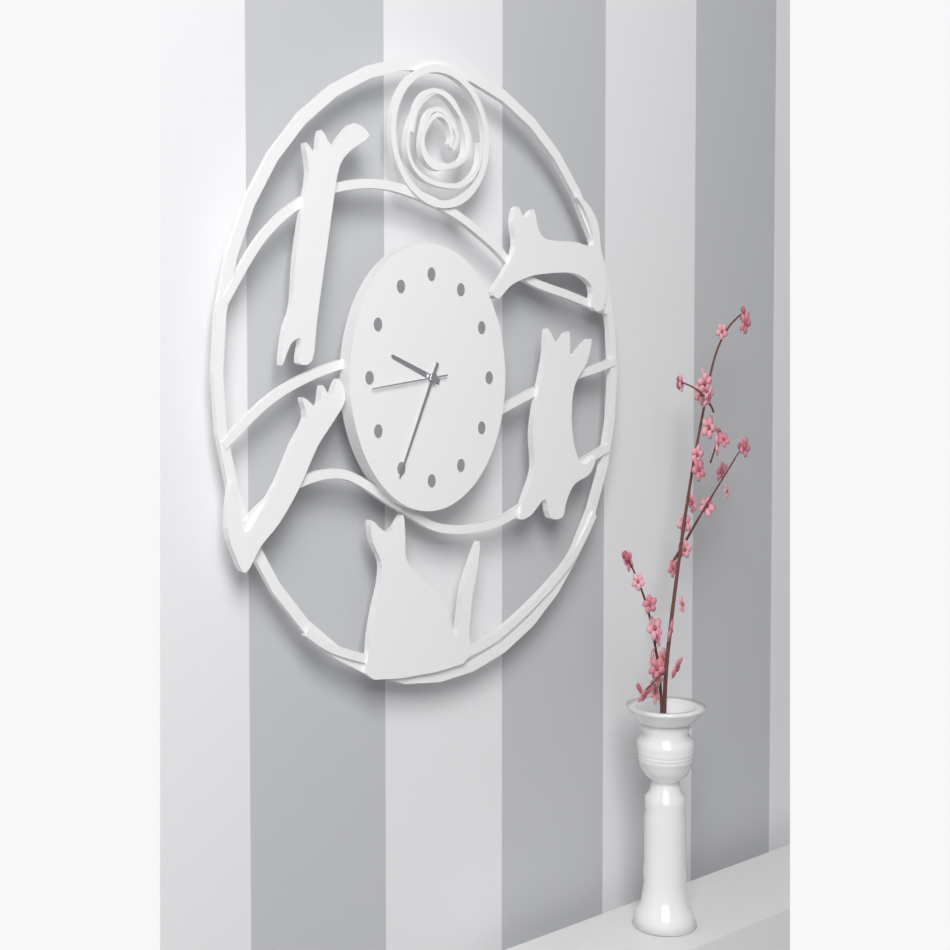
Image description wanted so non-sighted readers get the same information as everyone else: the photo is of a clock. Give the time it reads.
9:35:44
